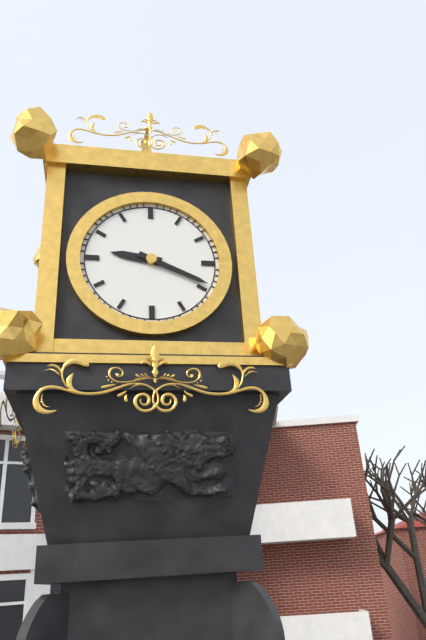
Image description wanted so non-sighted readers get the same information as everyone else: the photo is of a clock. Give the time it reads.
9:19
